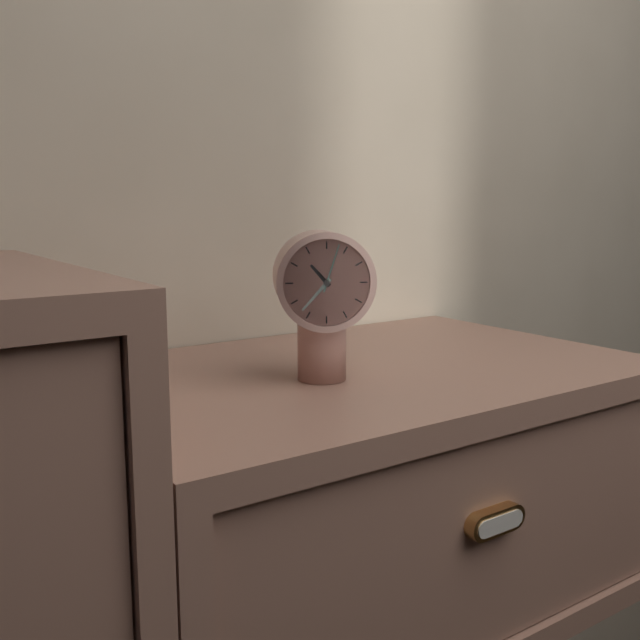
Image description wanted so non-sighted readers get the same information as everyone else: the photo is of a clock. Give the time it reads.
10:37:03
